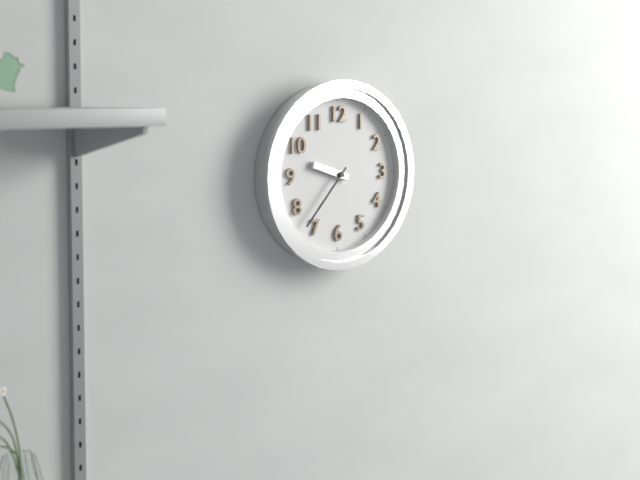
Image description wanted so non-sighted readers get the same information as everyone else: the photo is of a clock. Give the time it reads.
9:37
